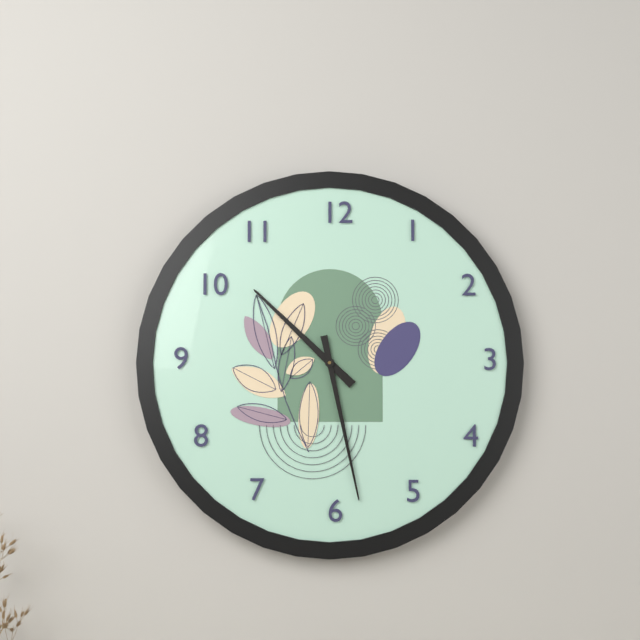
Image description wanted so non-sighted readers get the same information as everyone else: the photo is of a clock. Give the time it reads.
10:28
